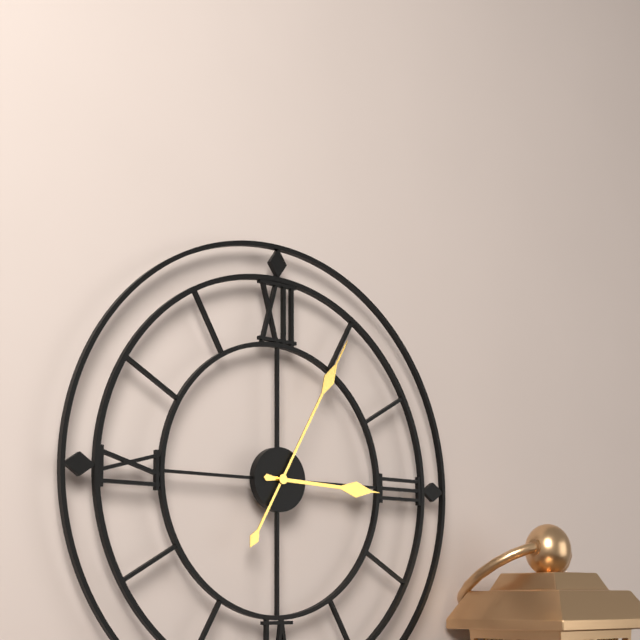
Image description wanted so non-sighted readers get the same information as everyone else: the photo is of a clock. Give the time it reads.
3:05
